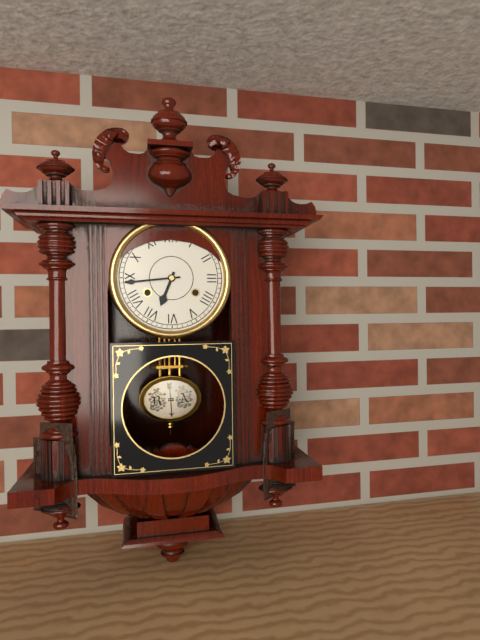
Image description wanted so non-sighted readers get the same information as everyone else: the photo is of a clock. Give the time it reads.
6:44
